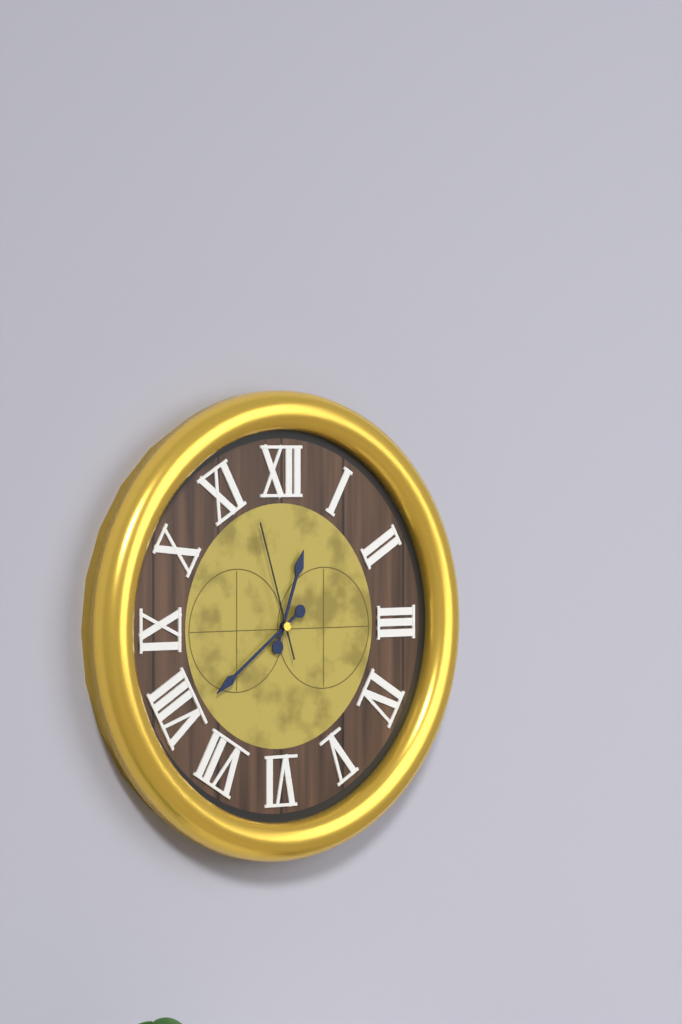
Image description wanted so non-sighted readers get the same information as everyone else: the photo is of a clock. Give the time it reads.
12:39:57
